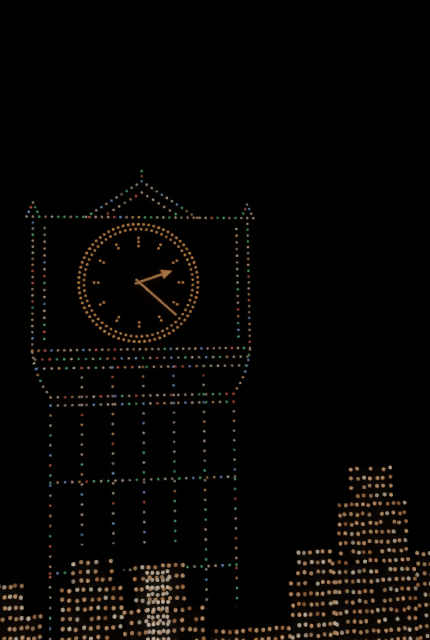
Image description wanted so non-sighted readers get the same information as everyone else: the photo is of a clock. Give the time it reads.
2:22
